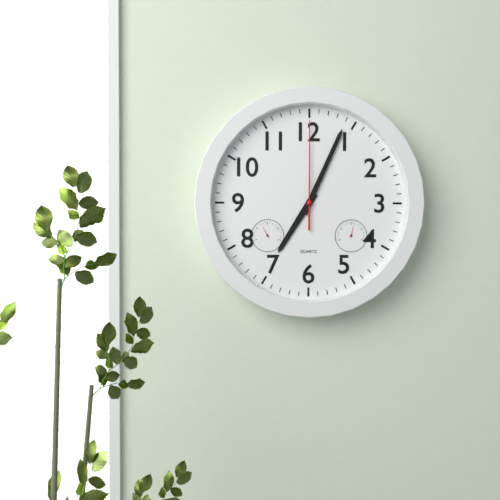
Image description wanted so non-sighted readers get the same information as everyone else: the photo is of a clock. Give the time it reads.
7:04:00
